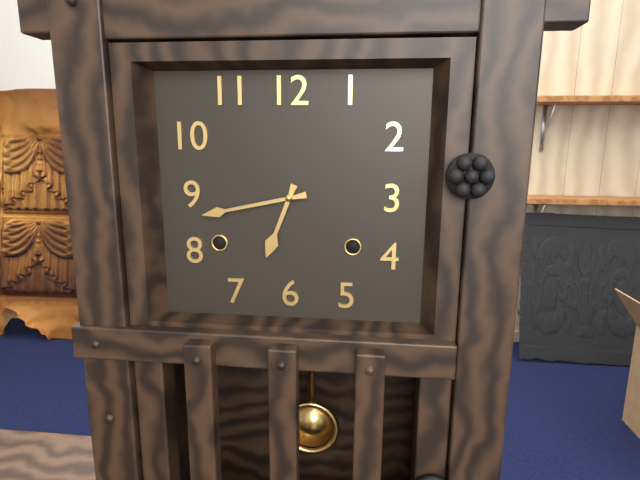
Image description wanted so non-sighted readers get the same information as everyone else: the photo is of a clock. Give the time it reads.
6:43
